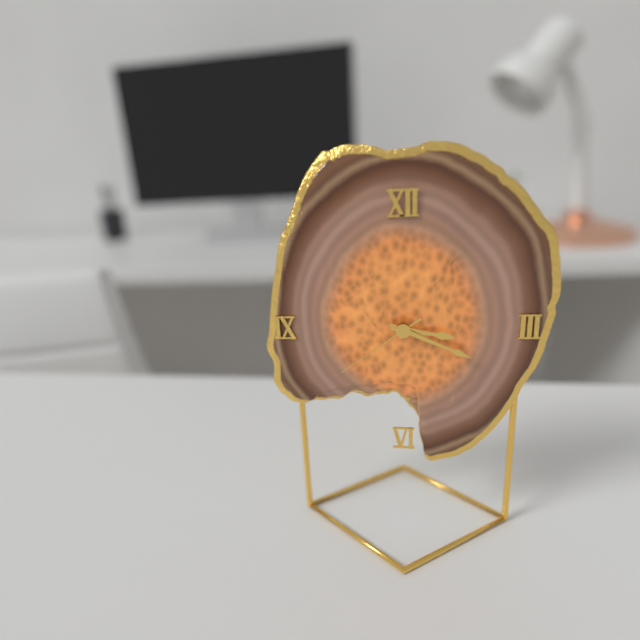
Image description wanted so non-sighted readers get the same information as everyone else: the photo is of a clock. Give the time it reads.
3:19:39
